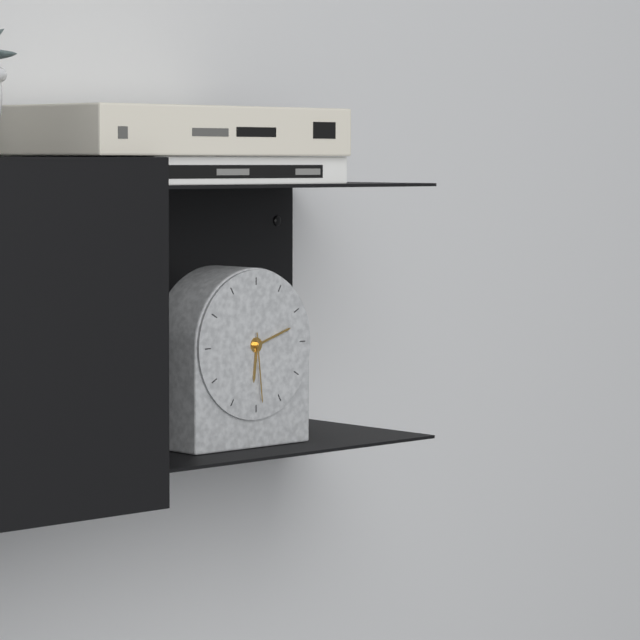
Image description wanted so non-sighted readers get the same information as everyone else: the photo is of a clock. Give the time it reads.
6:12:29
